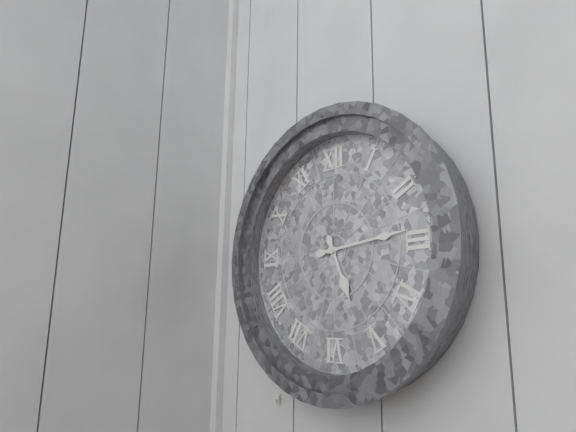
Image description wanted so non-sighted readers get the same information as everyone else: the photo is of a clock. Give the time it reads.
5:14
